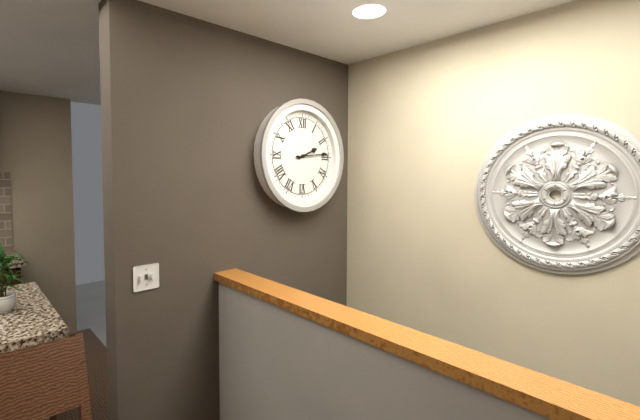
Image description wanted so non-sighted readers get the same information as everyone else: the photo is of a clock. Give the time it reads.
2:14
